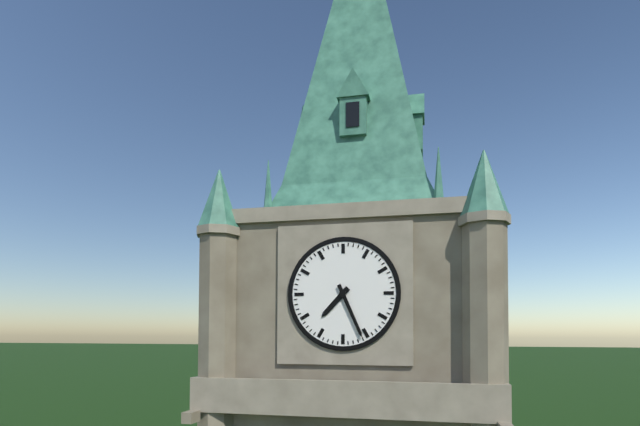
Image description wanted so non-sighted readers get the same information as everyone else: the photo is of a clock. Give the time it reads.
7:26
